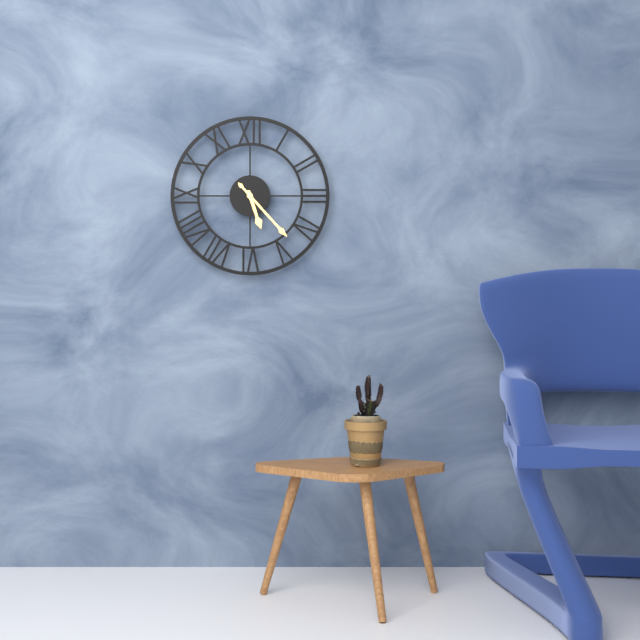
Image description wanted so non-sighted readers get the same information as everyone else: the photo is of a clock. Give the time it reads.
5:23
